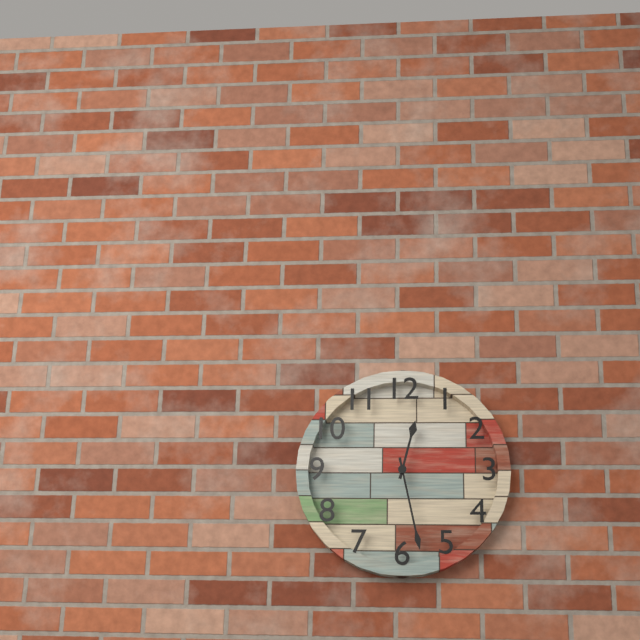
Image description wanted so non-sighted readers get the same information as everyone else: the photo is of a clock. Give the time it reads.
12:28
